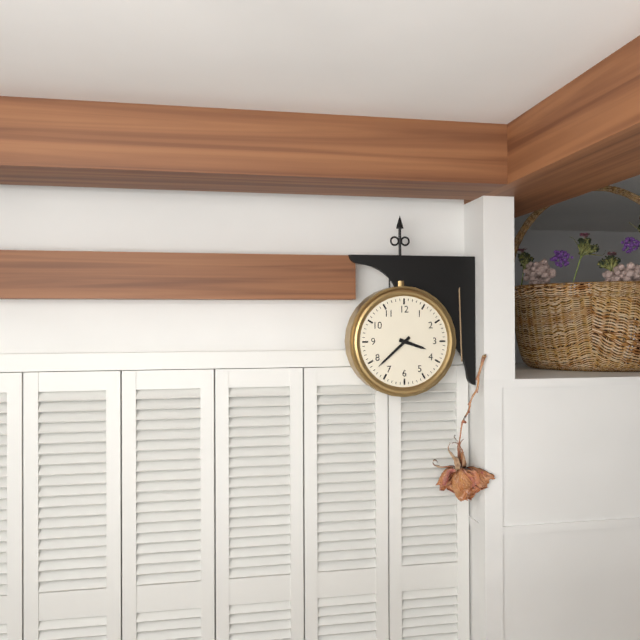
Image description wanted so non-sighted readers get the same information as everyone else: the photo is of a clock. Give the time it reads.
3:38
